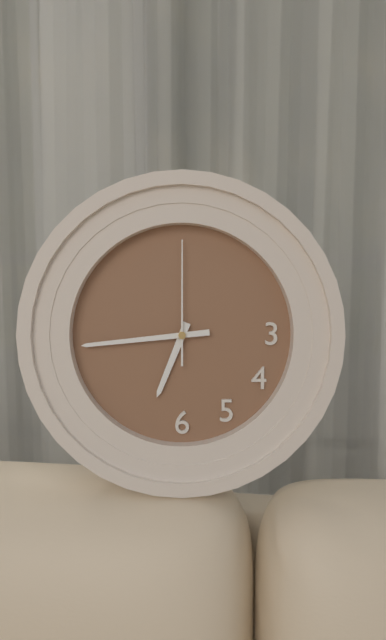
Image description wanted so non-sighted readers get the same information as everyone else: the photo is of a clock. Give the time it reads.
6:44:00
